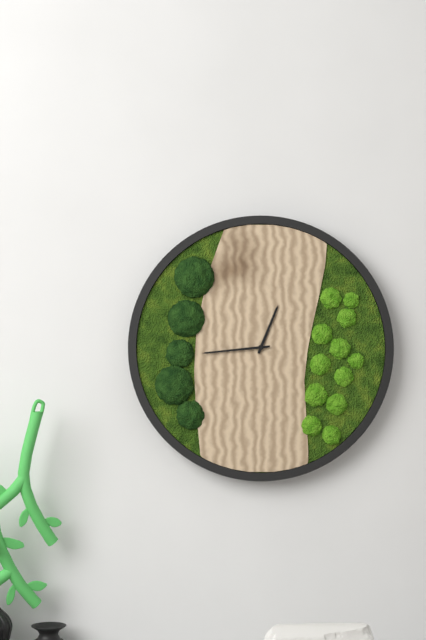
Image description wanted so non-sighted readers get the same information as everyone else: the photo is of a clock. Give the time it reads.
12:44
